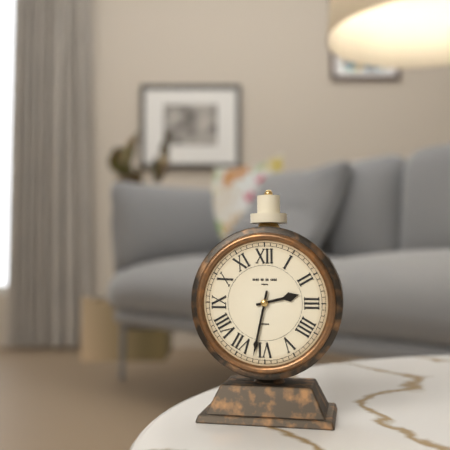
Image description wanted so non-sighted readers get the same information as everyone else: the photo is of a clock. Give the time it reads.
2:32
